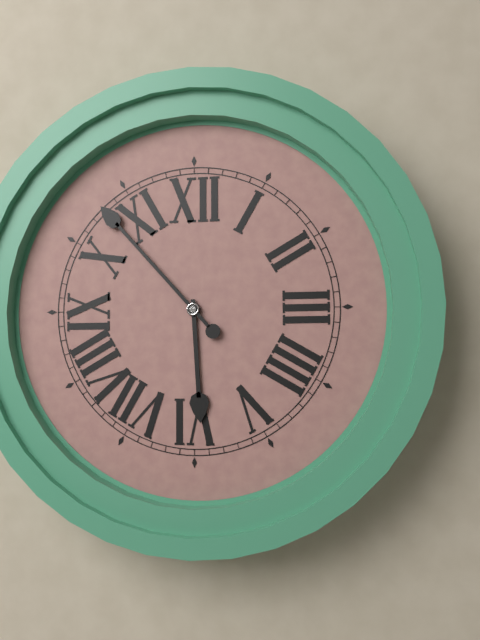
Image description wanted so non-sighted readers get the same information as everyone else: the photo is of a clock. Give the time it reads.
5:53
